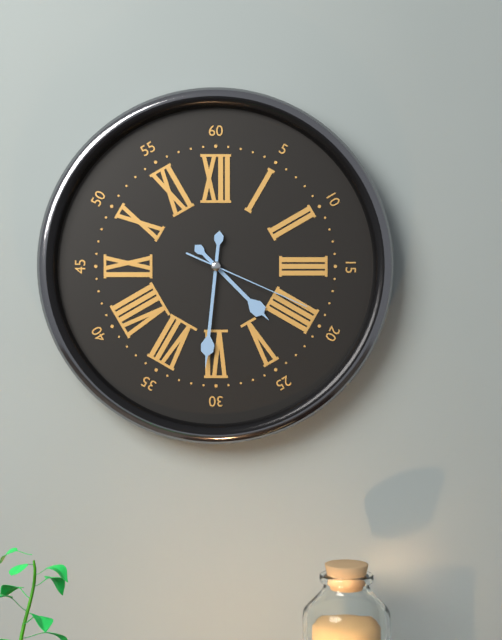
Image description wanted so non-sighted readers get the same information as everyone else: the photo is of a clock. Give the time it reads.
4:31:19
